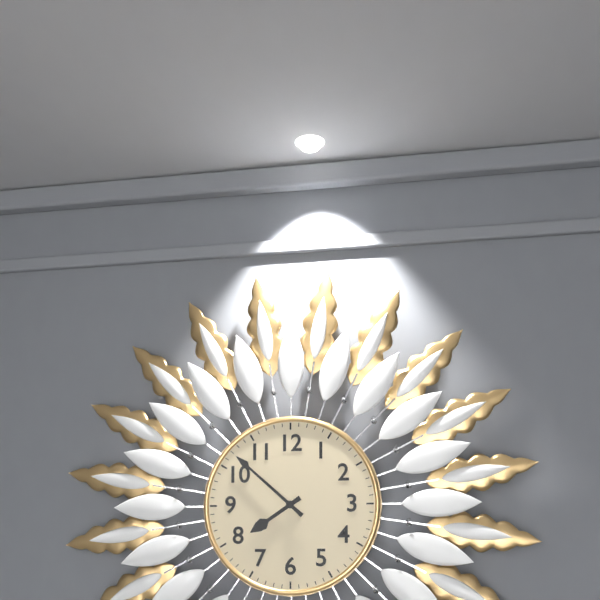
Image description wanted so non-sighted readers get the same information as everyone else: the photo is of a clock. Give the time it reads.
7:52
